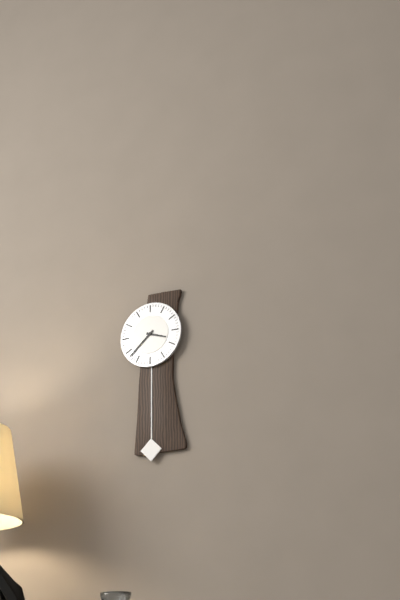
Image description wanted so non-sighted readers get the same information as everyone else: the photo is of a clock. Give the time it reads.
3:38
